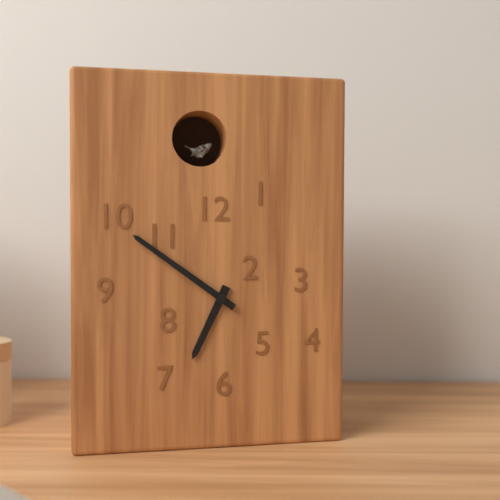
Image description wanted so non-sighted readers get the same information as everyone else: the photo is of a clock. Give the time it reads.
6:51
